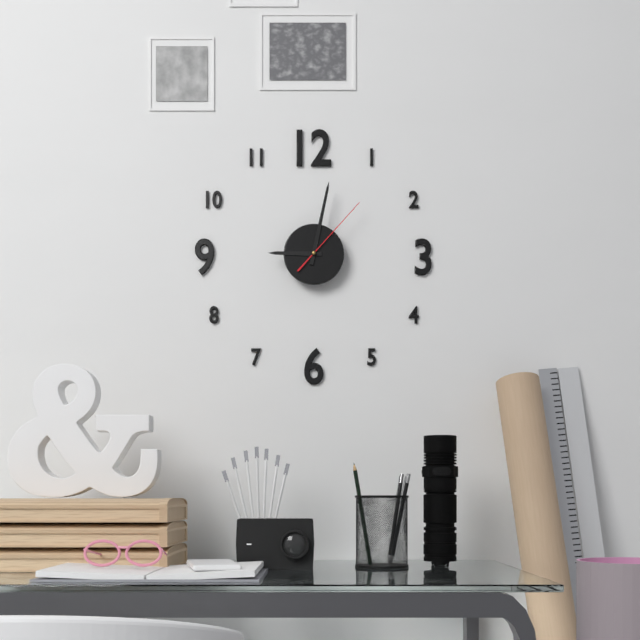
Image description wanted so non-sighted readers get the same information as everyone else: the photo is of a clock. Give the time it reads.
9:02:07
